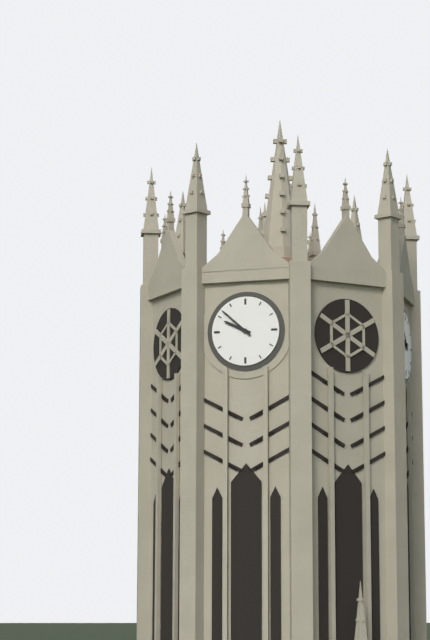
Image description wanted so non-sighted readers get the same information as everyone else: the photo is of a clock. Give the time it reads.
9:52
